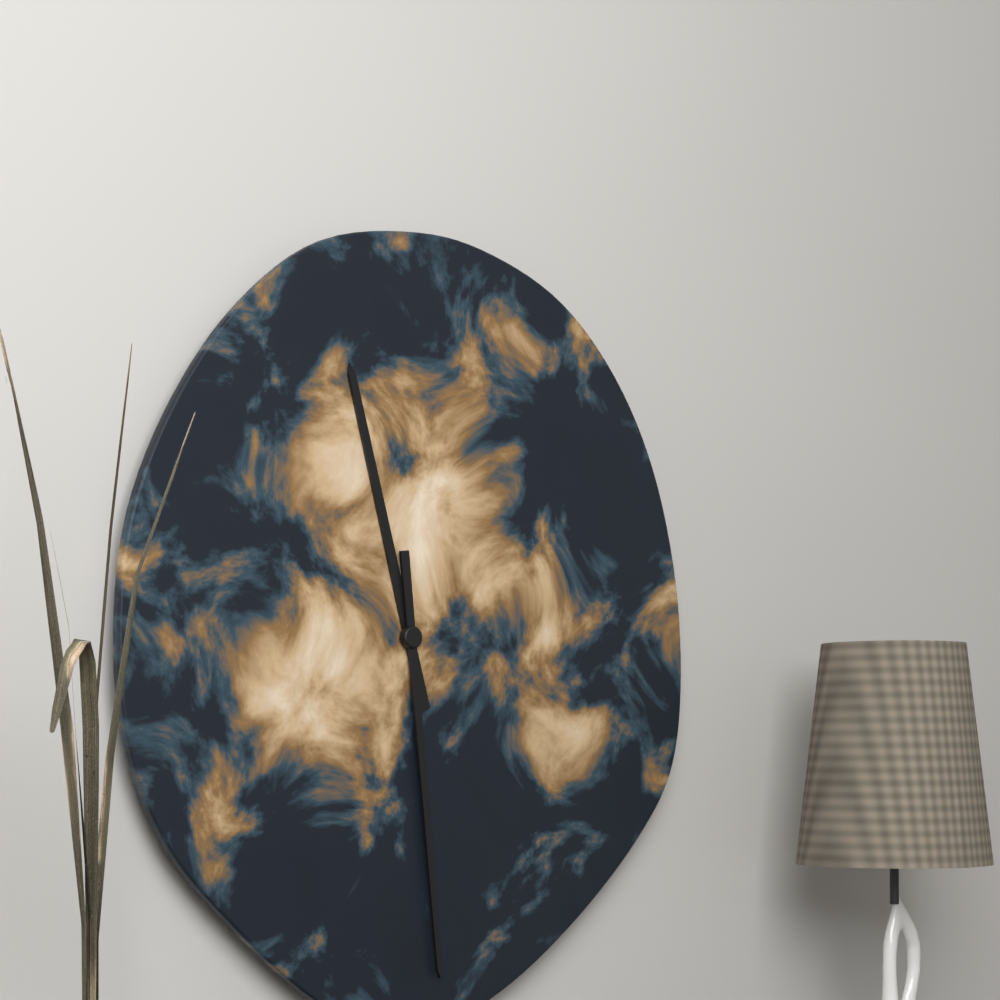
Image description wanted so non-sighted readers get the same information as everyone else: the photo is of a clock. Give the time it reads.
11:29
